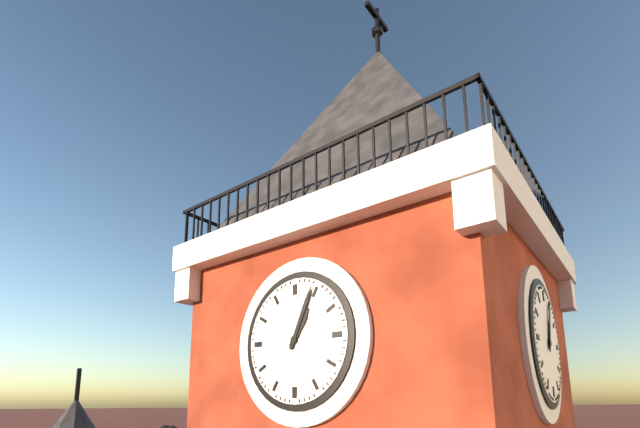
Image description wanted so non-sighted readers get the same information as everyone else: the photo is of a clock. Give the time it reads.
1:04
